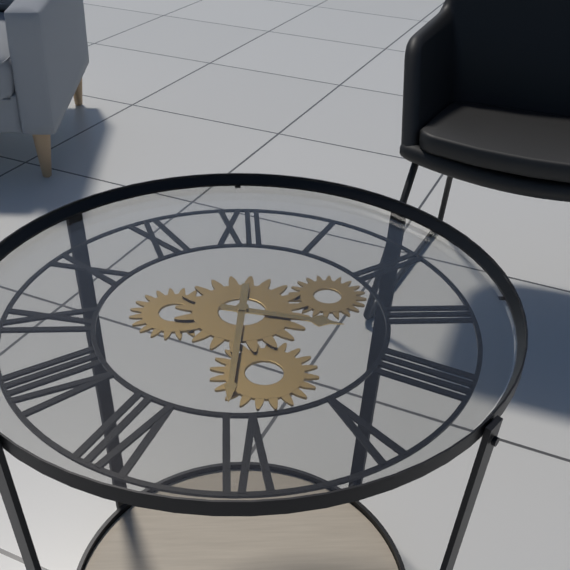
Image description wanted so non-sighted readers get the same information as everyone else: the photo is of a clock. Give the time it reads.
3:31
